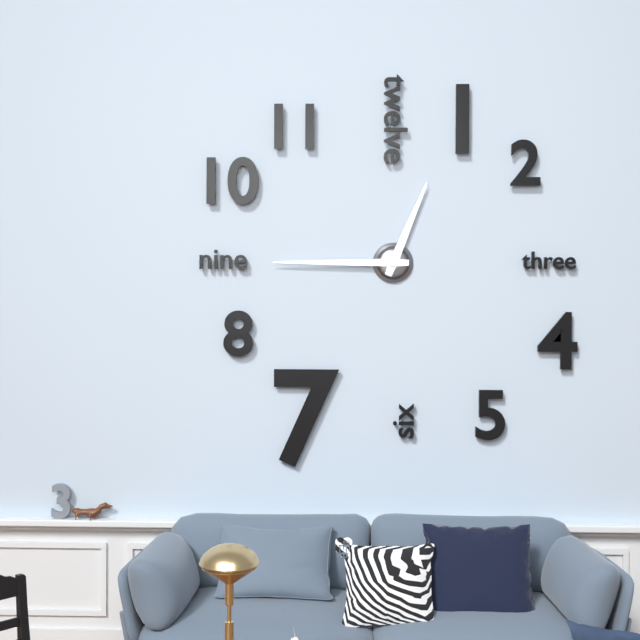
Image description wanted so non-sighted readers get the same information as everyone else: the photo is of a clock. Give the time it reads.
12:45
